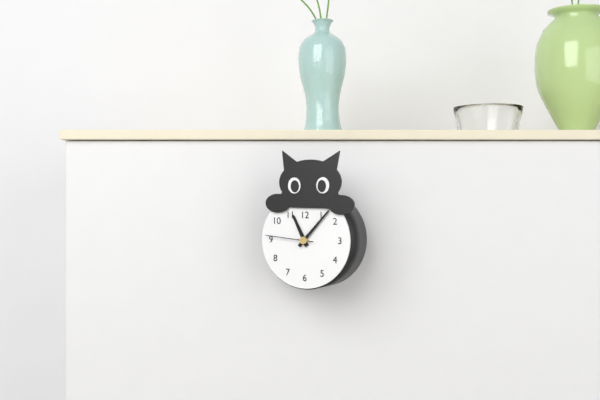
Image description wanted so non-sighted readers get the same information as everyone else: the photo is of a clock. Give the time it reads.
11:07:46
